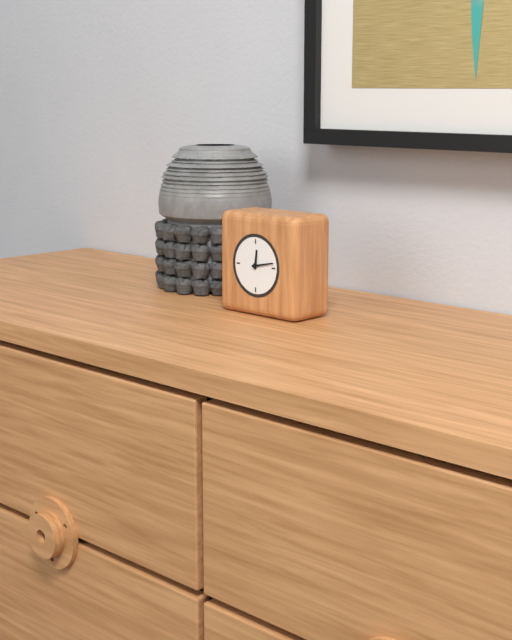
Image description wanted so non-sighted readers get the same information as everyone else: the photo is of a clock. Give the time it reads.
12:13
